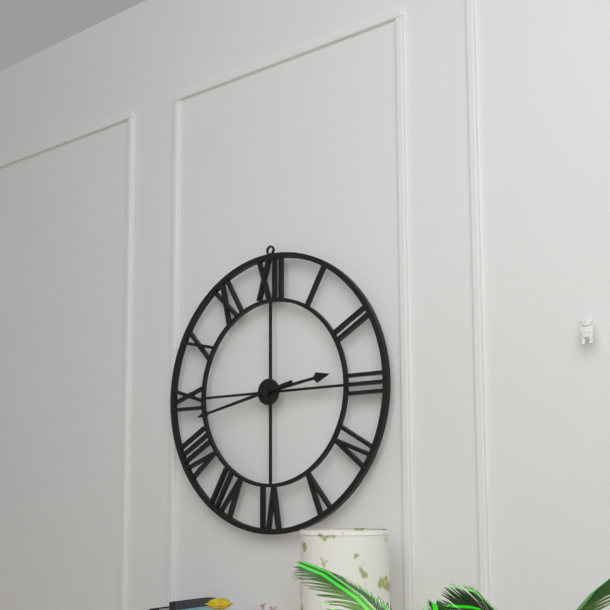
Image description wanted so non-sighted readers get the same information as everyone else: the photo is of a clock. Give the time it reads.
2:43
